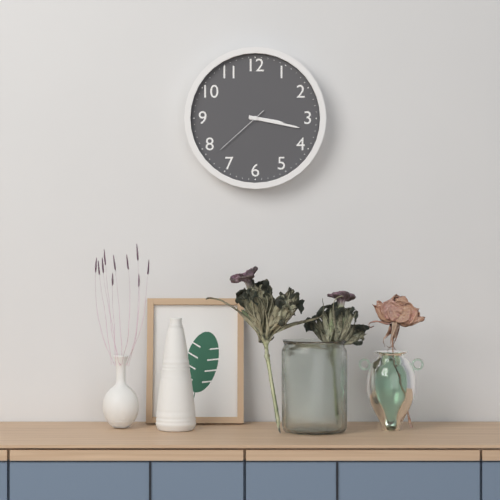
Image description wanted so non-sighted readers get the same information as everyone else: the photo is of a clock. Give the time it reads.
3:17:38
